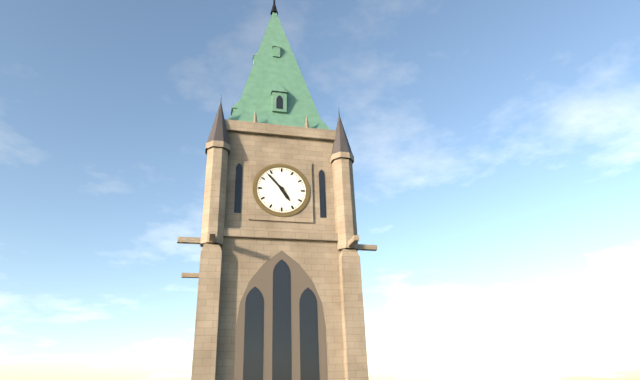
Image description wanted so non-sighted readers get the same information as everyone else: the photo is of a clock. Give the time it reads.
4:53
